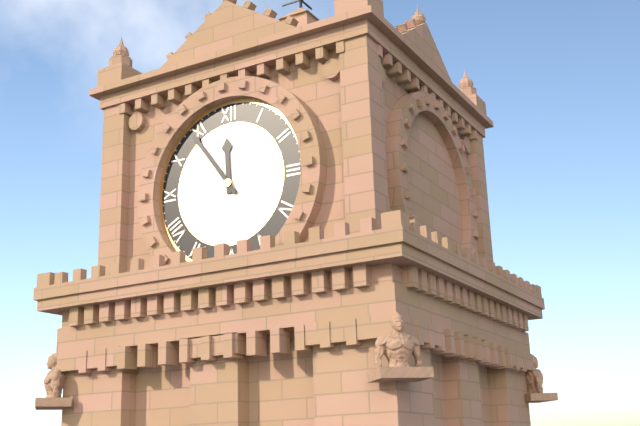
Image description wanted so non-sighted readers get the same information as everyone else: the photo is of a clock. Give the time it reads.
11:54
